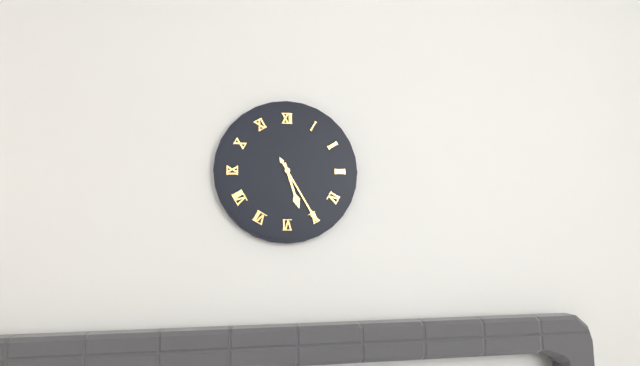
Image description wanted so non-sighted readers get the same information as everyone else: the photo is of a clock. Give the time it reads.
5:25
